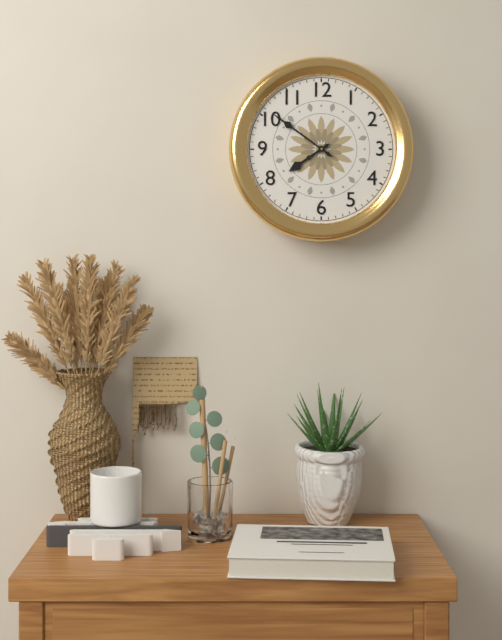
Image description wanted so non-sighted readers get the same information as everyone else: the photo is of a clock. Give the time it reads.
7:51
